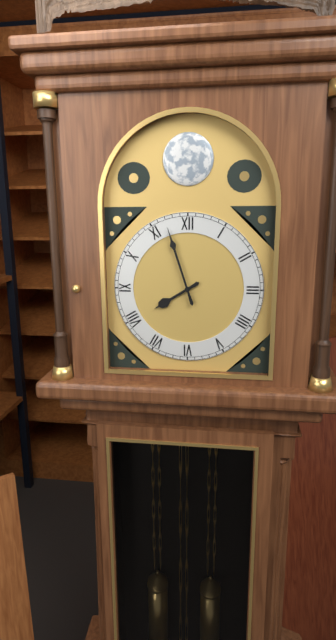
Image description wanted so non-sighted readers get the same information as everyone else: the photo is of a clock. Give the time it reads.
7:57
